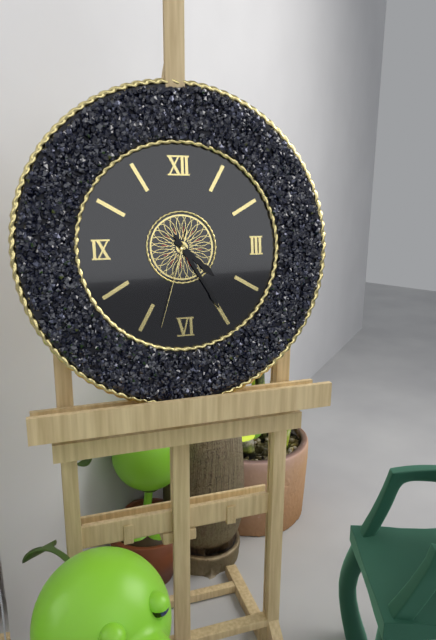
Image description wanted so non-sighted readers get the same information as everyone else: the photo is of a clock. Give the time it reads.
4:25:33
